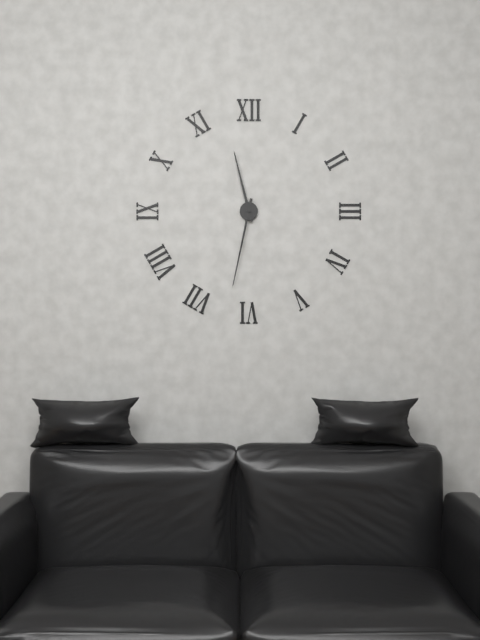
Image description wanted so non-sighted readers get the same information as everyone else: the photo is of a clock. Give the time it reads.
11:32
